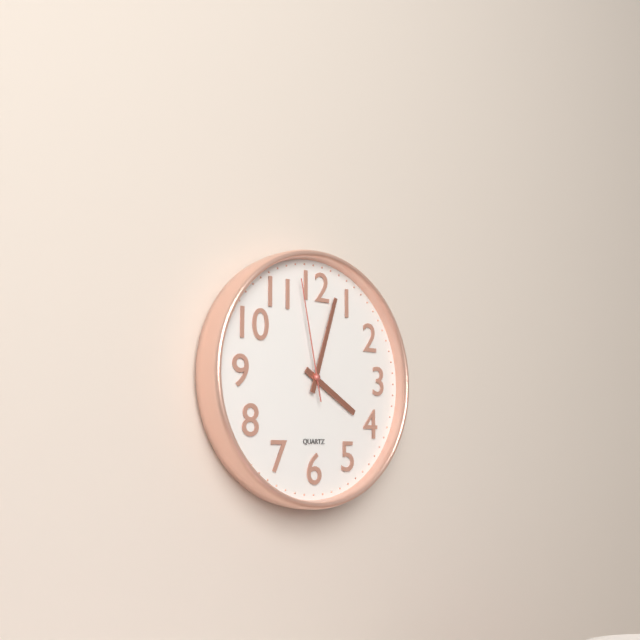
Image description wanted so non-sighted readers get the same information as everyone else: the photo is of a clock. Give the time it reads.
4:03:58
